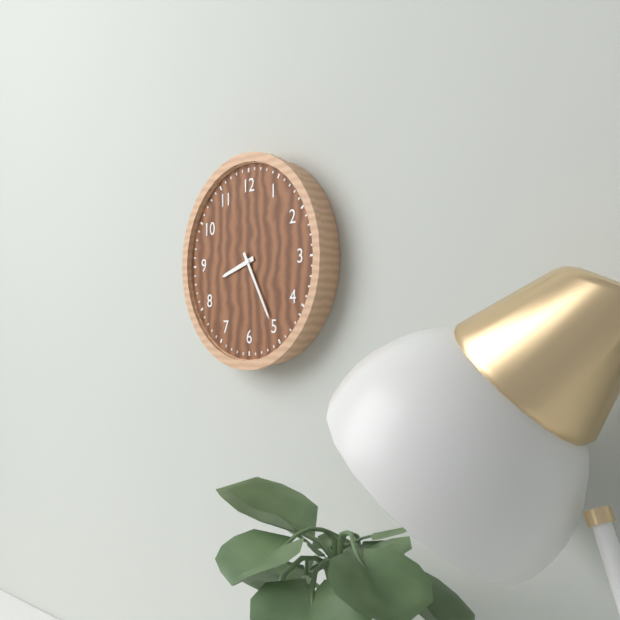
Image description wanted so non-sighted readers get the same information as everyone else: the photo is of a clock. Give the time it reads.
8:25
